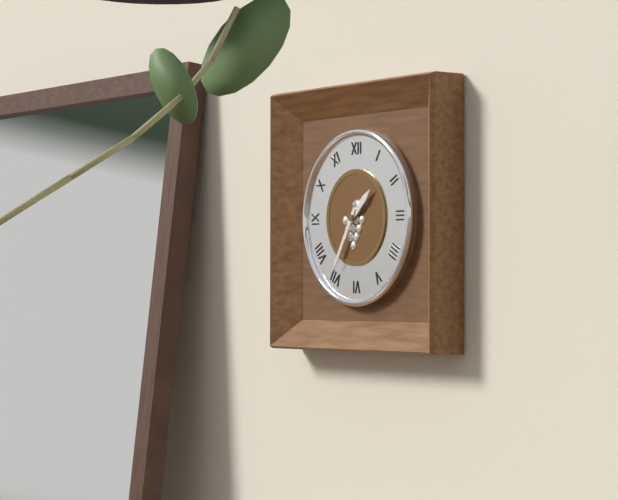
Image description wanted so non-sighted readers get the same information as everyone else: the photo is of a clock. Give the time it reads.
1:35
